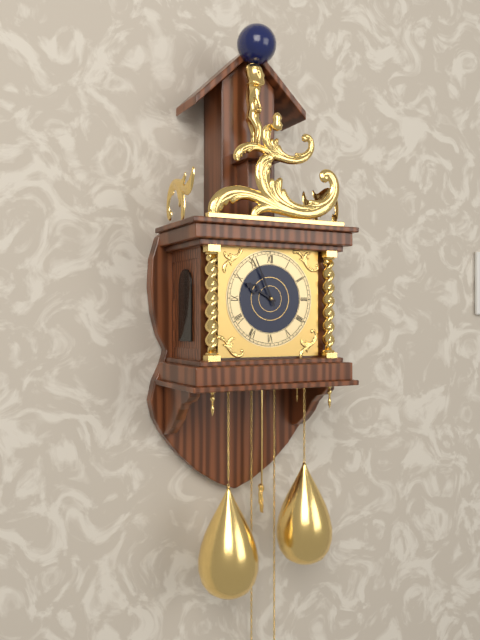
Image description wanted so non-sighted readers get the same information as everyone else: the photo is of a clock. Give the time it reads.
9:56
